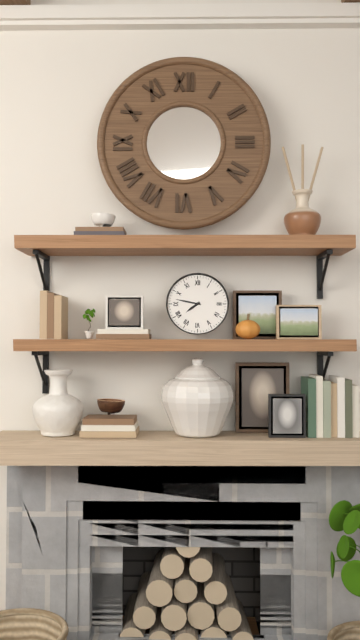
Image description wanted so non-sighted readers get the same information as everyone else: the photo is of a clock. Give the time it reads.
7:47
